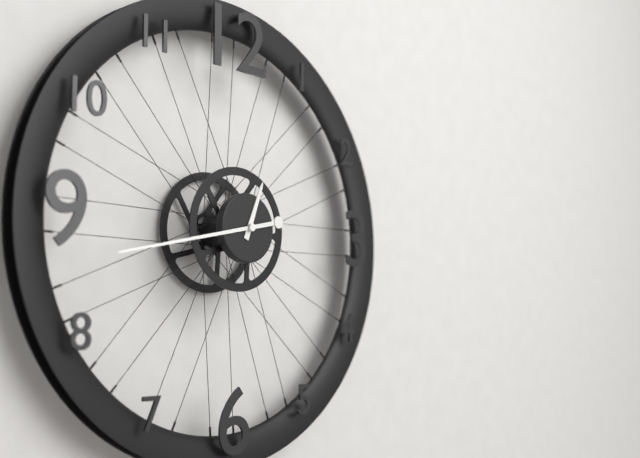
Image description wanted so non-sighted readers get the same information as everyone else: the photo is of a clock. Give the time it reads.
12:43
